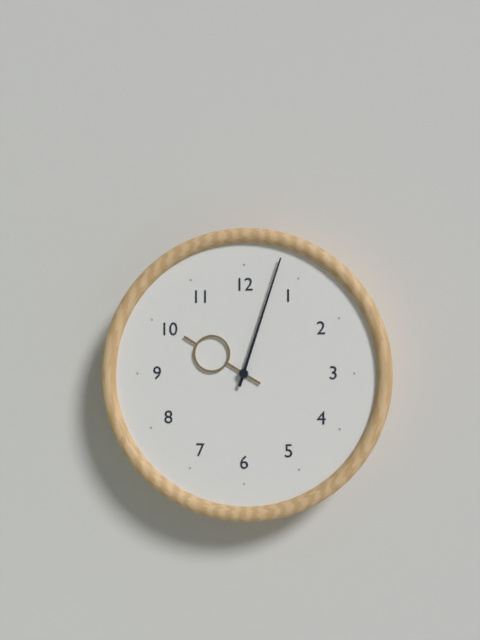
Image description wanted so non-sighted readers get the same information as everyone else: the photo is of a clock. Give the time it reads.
10:03
